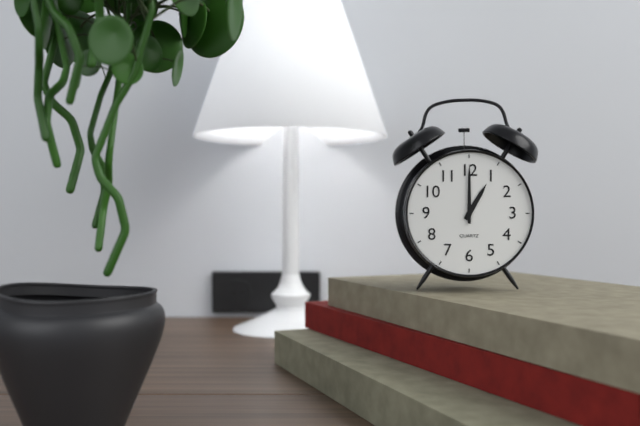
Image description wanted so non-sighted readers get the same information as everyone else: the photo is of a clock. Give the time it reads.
1:00
